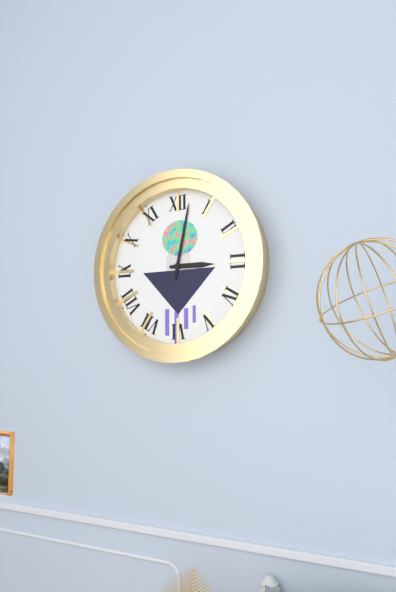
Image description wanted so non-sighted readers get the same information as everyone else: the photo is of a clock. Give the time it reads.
3:02
